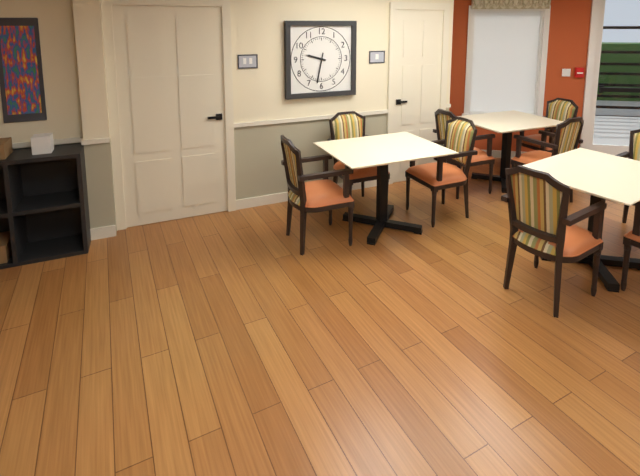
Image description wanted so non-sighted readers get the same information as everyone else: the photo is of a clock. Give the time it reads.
9:32
